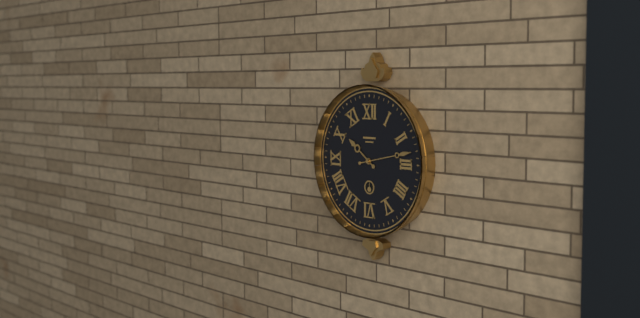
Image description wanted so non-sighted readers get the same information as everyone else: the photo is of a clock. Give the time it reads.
10:13
